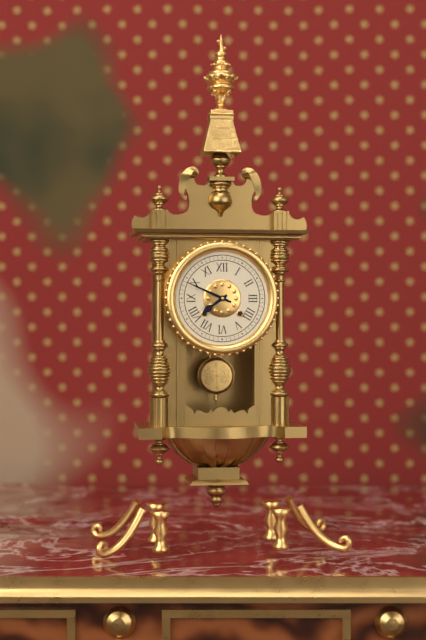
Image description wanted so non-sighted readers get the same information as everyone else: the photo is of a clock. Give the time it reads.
7:49
